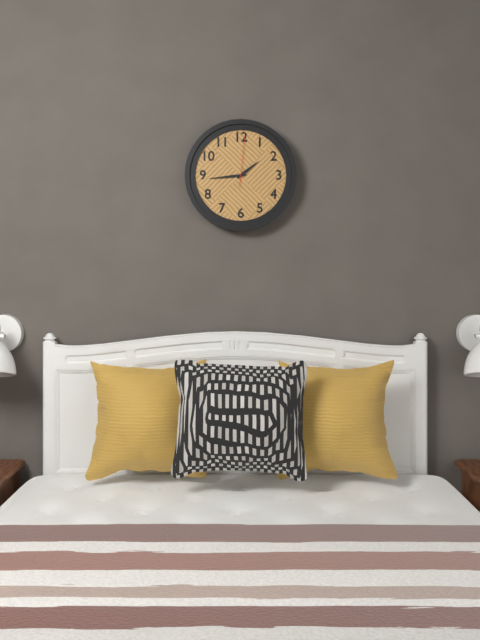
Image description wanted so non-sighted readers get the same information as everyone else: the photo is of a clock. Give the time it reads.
1:44:01
